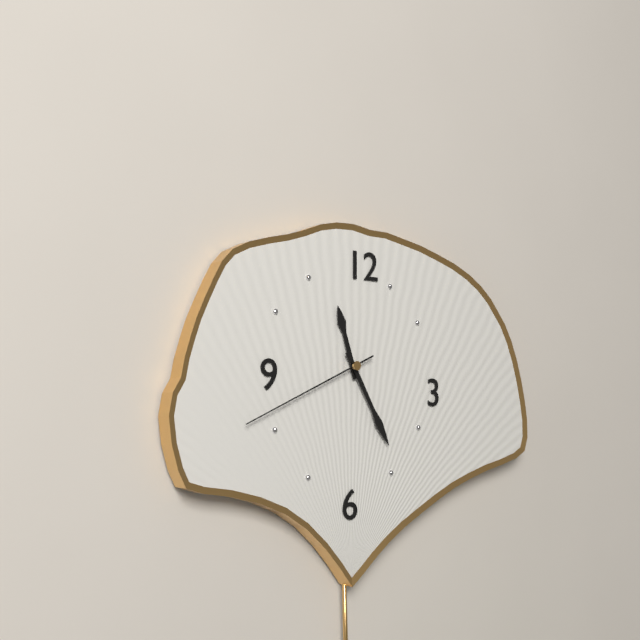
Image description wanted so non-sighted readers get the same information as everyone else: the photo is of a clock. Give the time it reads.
11:25:41
